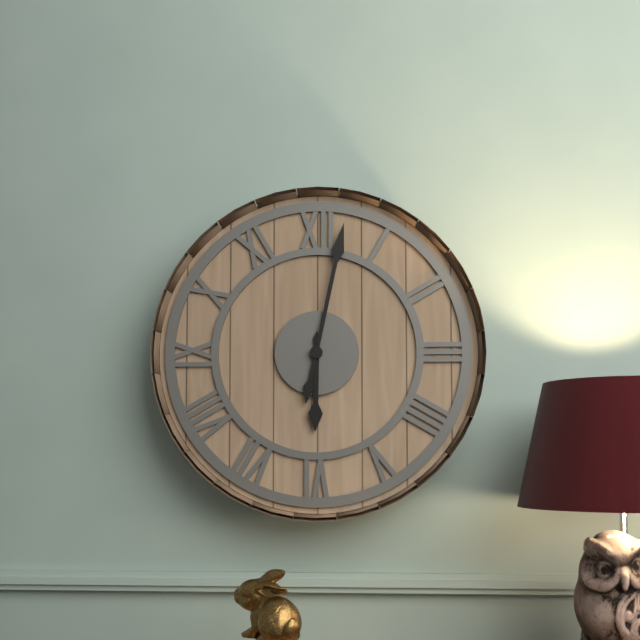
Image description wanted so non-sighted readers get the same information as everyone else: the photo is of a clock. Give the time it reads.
6:02
